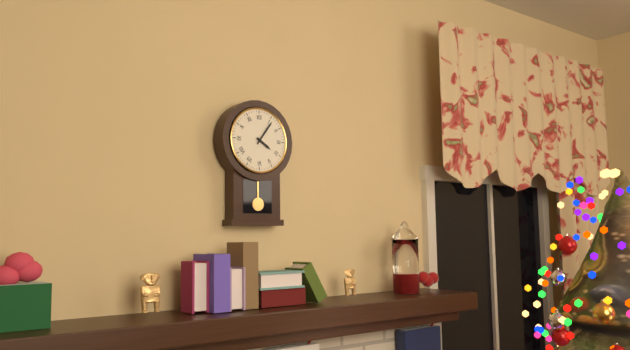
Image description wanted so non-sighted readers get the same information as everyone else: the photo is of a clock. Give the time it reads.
4:06
